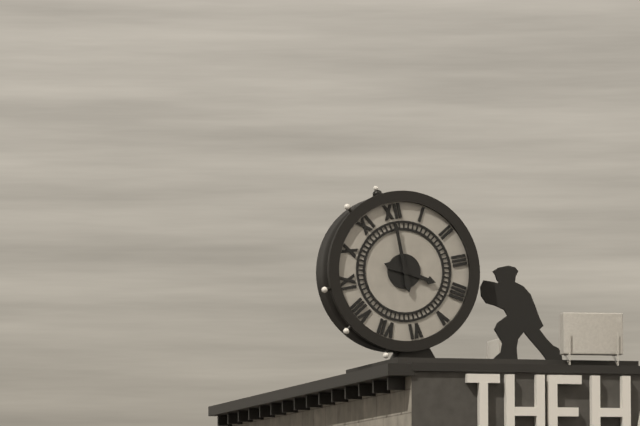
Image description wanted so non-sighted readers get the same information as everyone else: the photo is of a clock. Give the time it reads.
4:00
